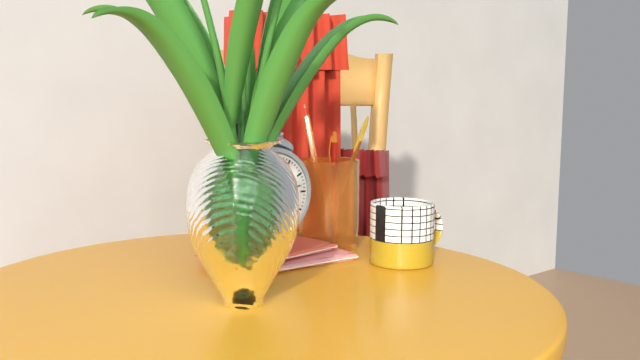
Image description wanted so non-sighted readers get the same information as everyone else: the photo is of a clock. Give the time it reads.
10:13
